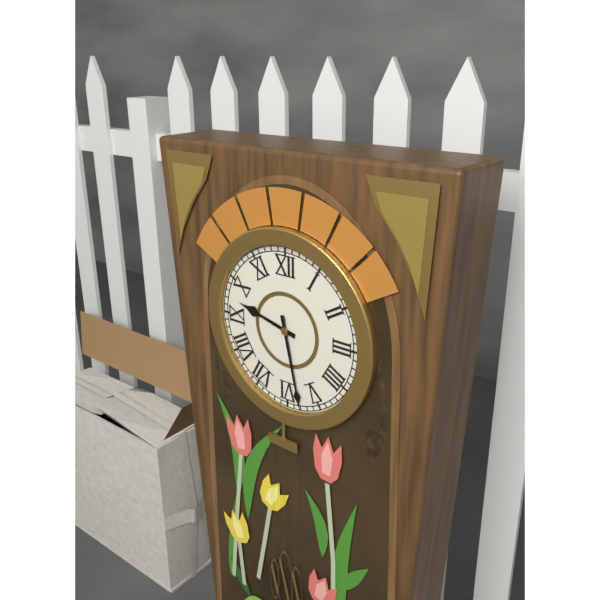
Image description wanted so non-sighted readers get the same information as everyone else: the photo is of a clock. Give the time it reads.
9:28
